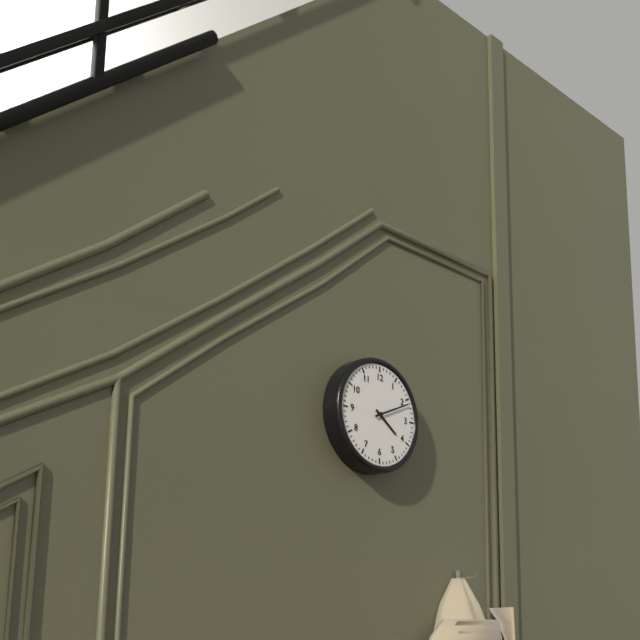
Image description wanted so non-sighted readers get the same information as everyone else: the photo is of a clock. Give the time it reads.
4:11
